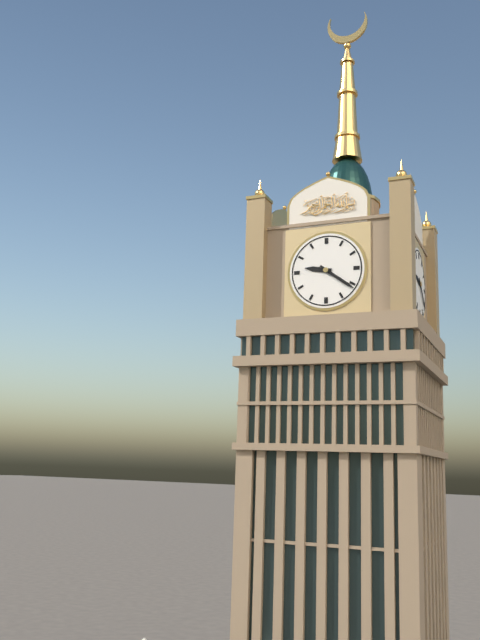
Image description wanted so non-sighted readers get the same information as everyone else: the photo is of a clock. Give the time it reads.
9:21
